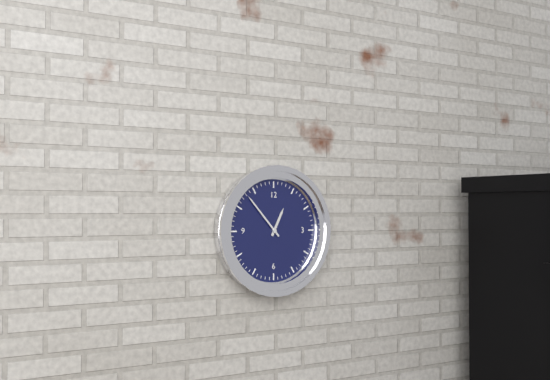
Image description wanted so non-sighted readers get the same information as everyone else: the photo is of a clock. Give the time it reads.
12:53
